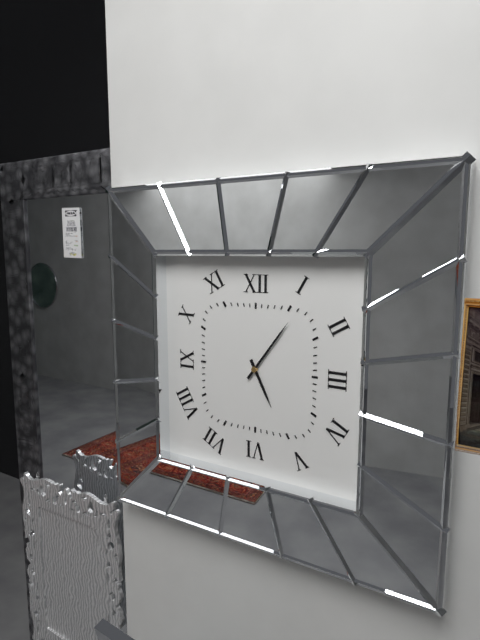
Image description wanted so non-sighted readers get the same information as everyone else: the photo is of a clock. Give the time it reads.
5:06
